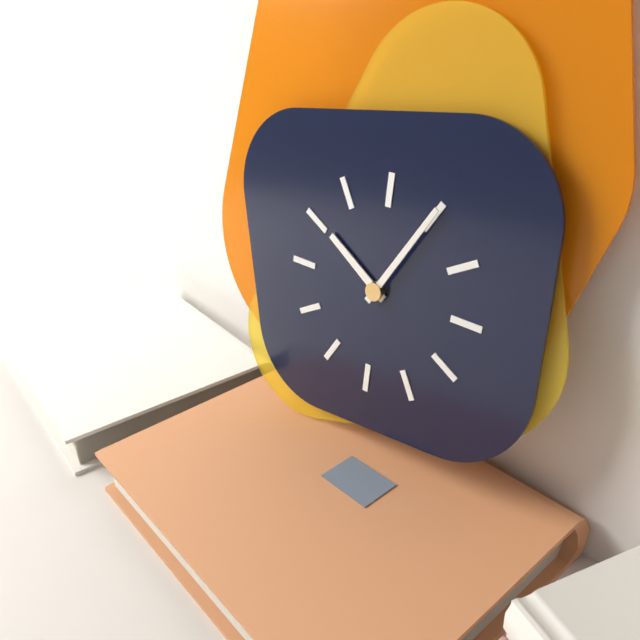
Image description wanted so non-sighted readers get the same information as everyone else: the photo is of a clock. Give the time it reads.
10:05
